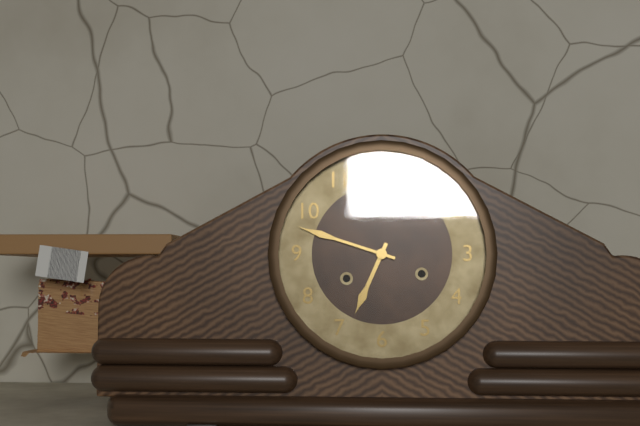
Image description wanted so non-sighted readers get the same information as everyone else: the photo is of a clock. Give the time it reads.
6:48
